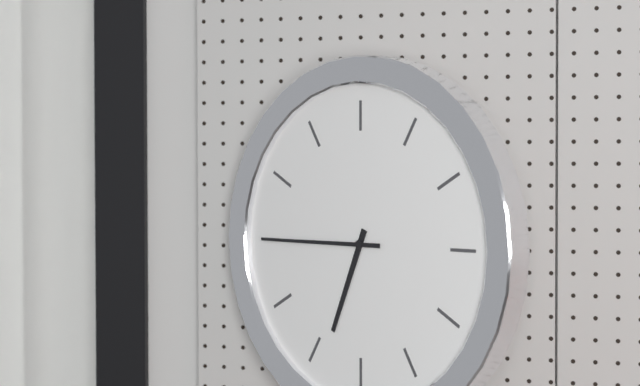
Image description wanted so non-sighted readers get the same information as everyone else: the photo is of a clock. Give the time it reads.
6:45
